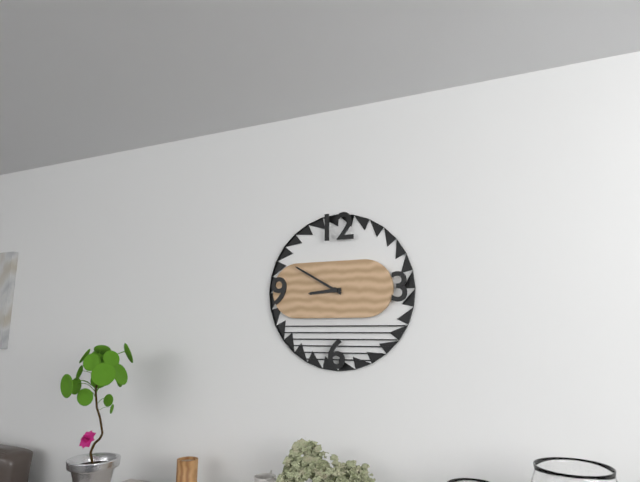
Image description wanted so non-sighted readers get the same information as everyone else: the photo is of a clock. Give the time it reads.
8:50
